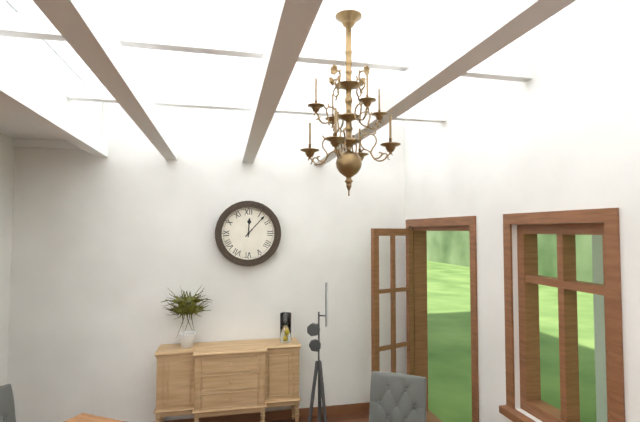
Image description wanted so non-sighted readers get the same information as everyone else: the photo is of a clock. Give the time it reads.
12:07
